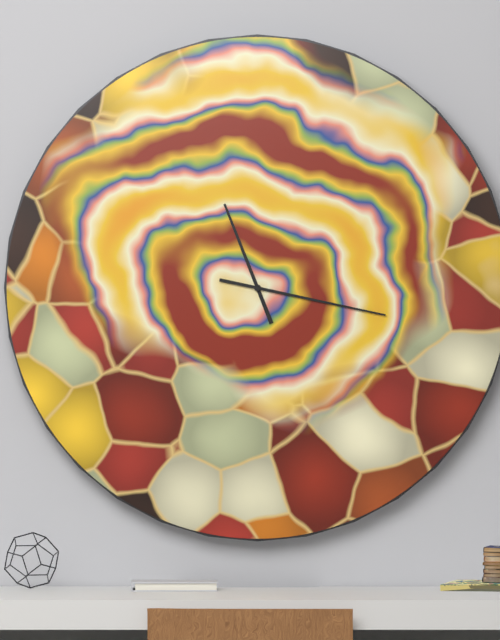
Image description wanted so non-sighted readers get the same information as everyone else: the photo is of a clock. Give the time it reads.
11:17
